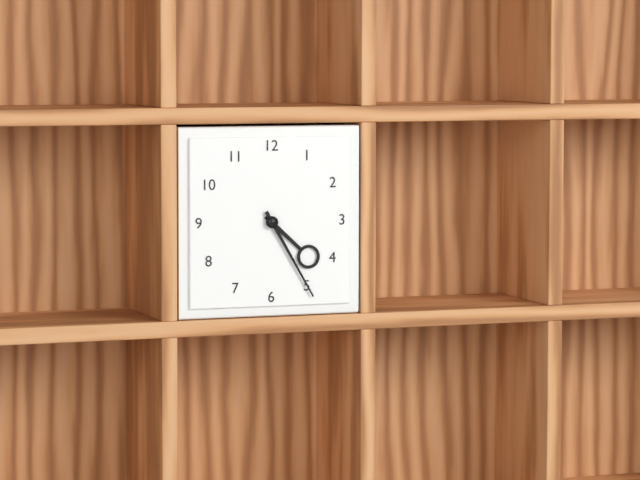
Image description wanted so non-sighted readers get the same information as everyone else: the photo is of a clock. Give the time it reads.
4:25
